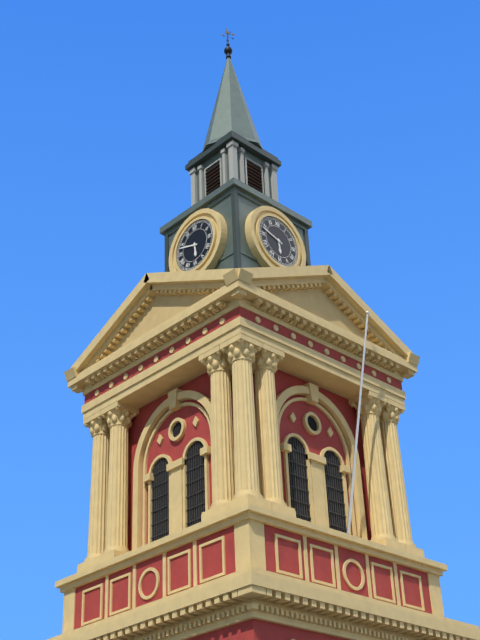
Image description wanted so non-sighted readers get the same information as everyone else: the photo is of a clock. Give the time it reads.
5:48
